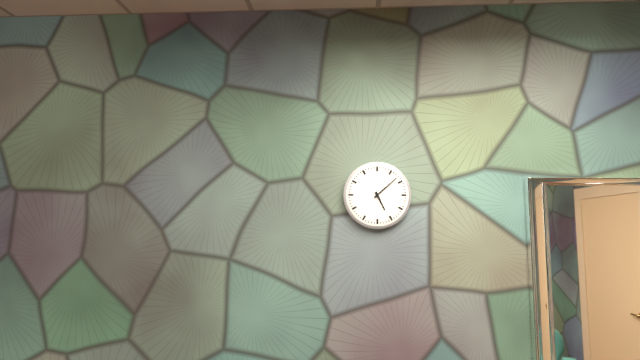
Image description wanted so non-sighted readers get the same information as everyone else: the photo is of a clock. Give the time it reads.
5:08
